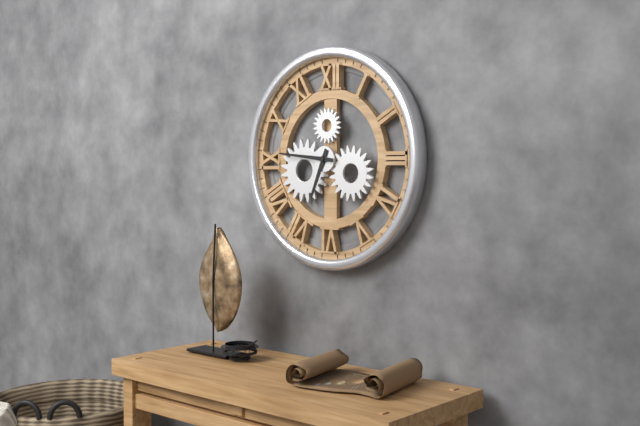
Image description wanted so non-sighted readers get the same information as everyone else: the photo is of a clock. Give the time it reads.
6:46
